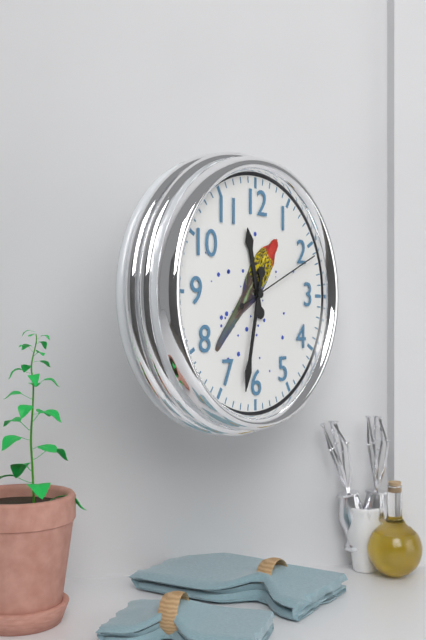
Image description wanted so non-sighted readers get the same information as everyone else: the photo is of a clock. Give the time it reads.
11:32:11
